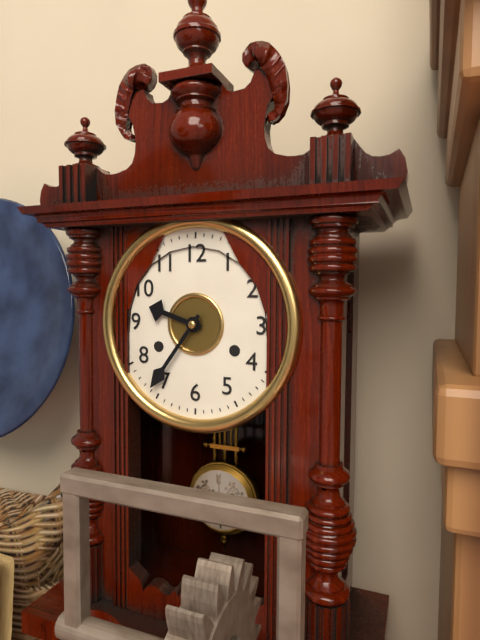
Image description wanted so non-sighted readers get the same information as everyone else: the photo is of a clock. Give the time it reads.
9:36
